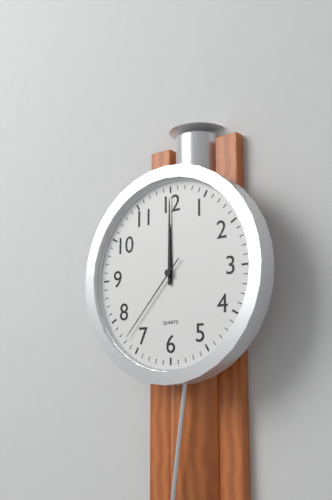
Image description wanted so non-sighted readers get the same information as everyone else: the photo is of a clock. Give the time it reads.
12:00:37
